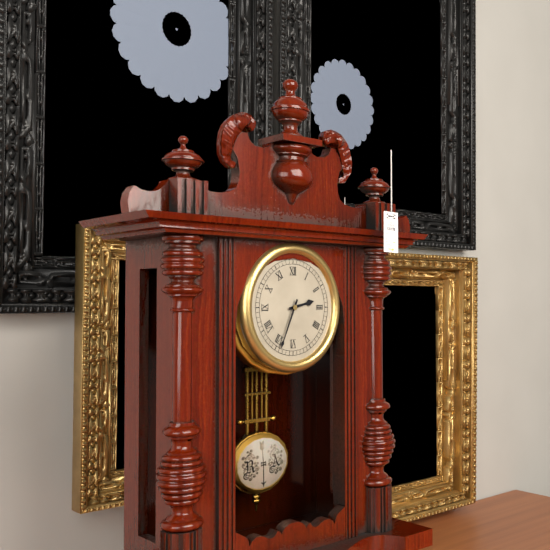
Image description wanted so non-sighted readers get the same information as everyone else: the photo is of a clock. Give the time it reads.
2:34
